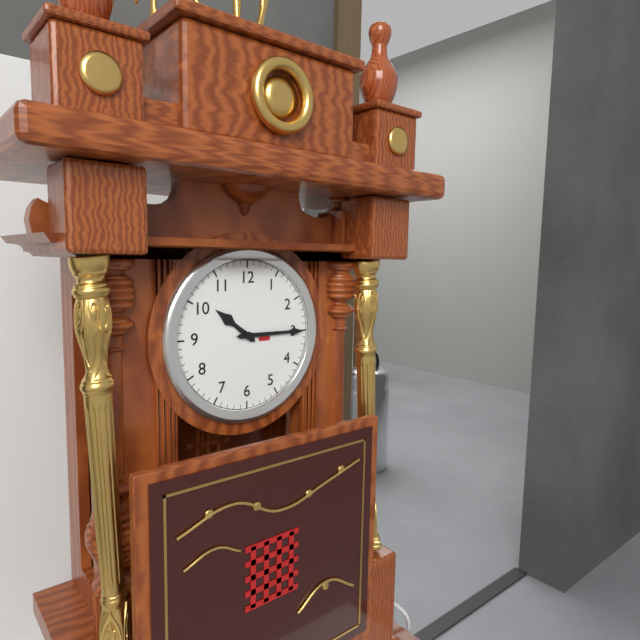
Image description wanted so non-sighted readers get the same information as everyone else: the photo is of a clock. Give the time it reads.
10:15
